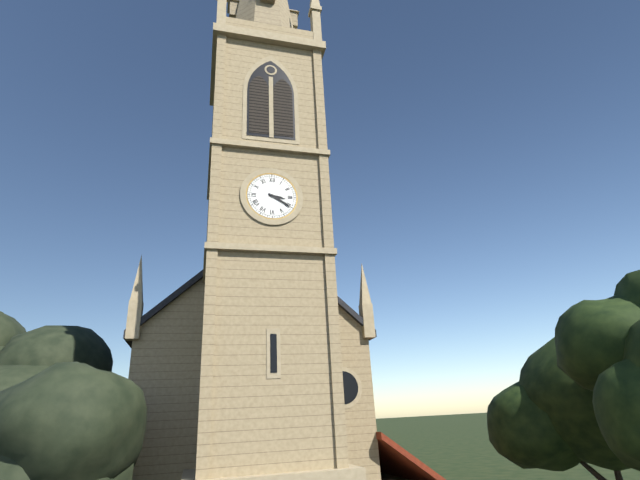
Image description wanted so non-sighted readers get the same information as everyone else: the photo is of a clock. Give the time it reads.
3:20
